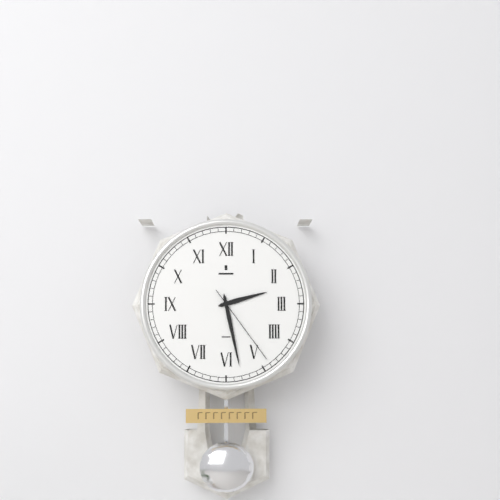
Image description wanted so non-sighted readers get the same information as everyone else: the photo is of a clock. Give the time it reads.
2:28:24
